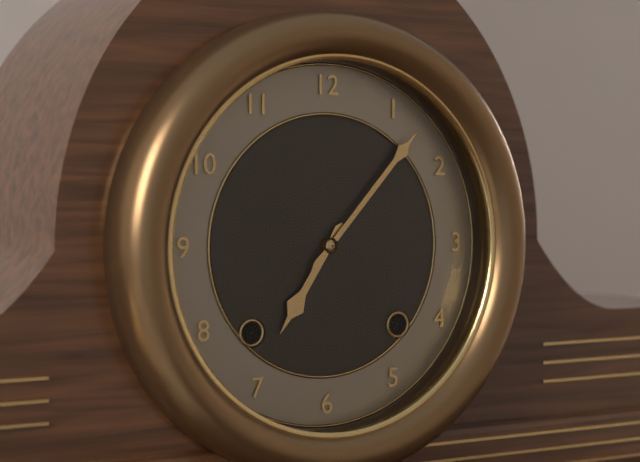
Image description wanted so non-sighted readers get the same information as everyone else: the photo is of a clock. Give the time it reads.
7:07
